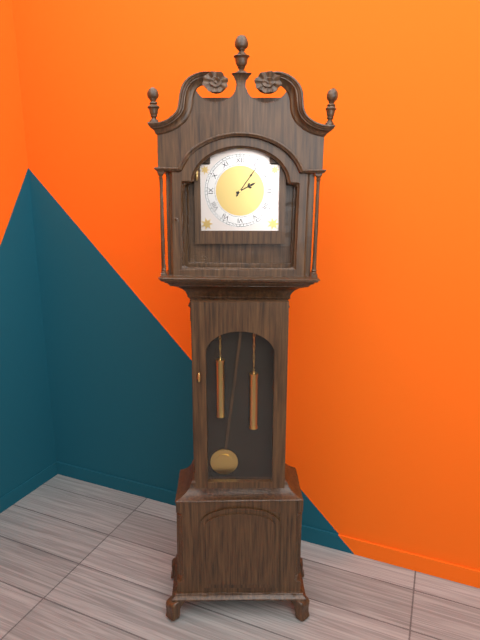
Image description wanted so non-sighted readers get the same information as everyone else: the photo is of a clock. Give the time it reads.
2:06
